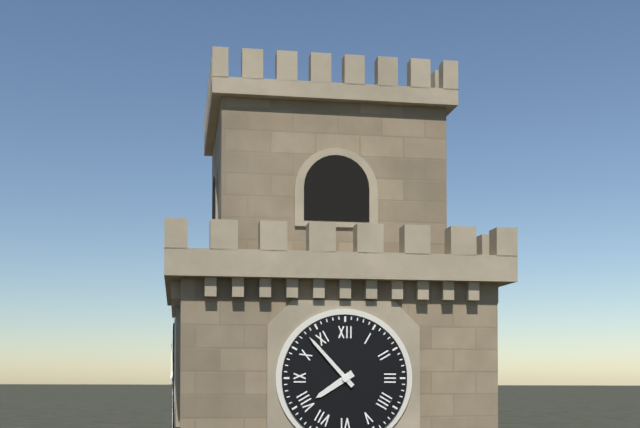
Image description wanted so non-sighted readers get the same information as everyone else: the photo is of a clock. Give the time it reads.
7:53
